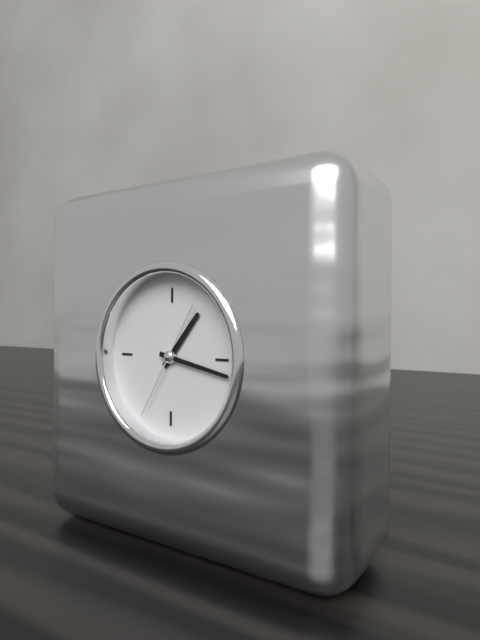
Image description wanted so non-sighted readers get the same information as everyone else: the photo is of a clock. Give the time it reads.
1:17:35
